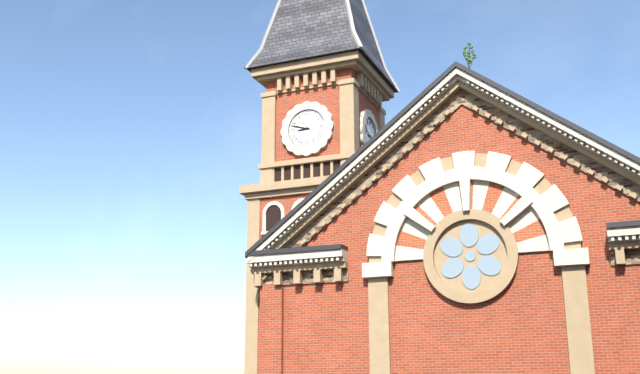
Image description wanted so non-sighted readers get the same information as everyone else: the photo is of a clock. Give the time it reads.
8:48
